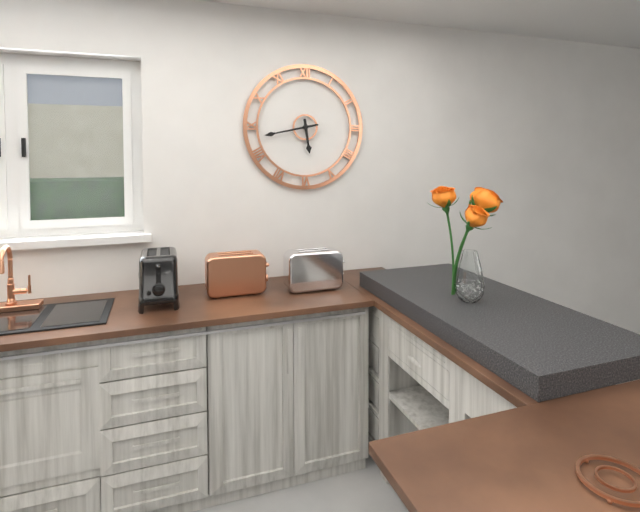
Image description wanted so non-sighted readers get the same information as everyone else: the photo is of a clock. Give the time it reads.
5:43
